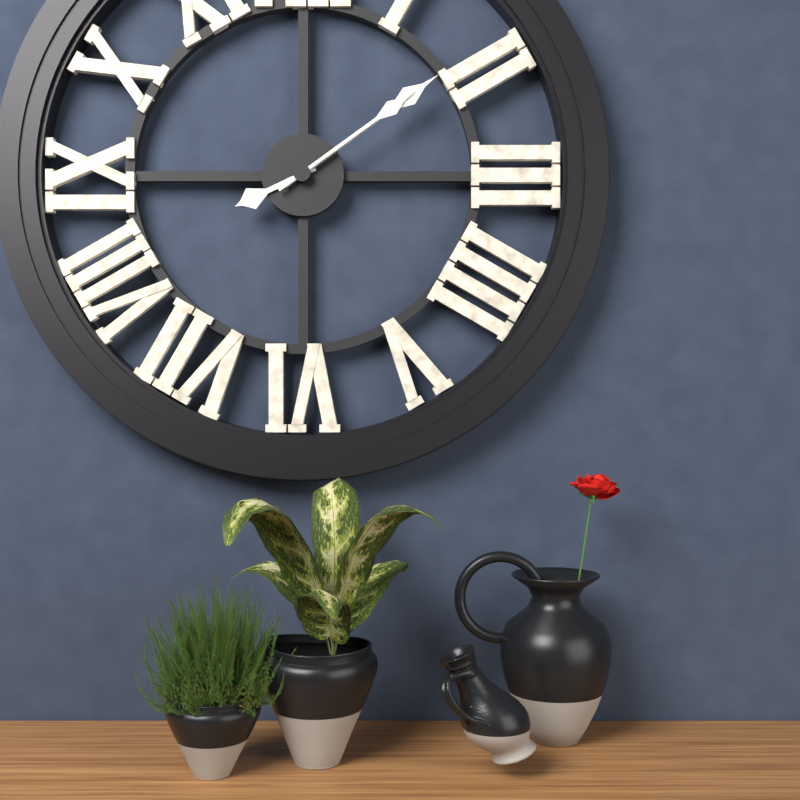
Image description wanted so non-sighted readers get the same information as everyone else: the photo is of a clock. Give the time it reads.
8:09:09
